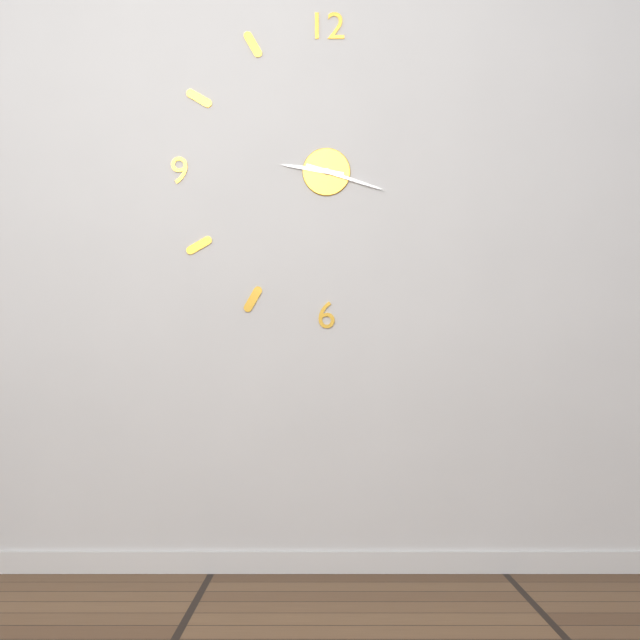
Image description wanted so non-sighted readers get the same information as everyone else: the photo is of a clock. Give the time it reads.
9:18
